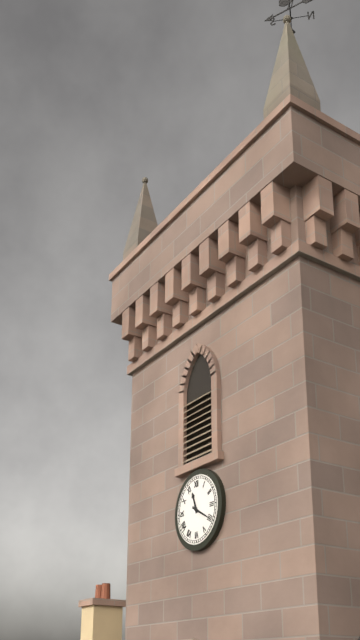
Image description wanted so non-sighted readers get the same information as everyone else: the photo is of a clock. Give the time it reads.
11:20
